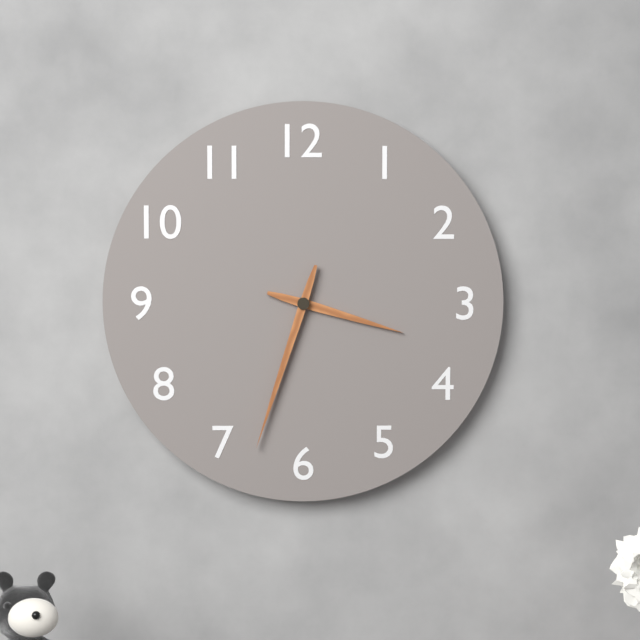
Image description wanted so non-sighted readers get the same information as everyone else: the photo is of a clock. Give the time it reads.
3:33
